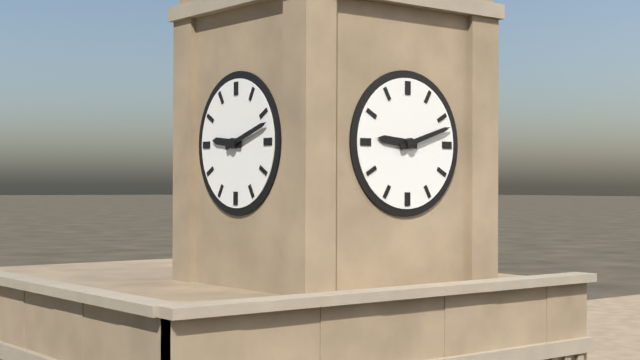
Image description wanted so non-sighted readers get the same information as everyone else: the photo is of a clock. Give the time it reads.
9:12
